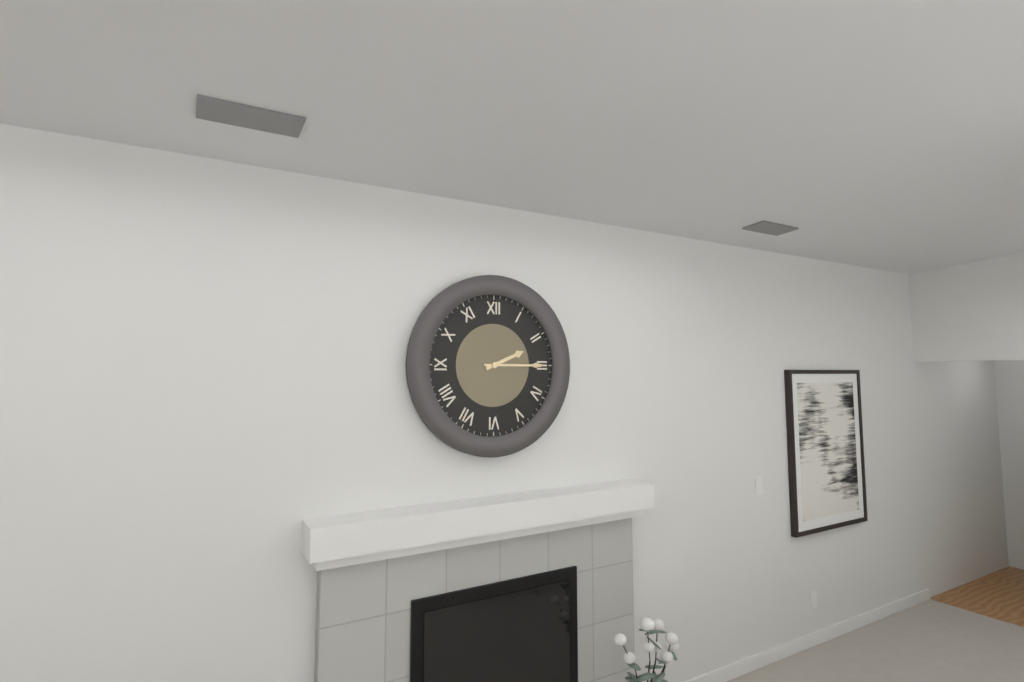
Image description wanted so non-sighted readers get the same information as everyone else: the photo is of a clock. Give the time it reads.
2:15
